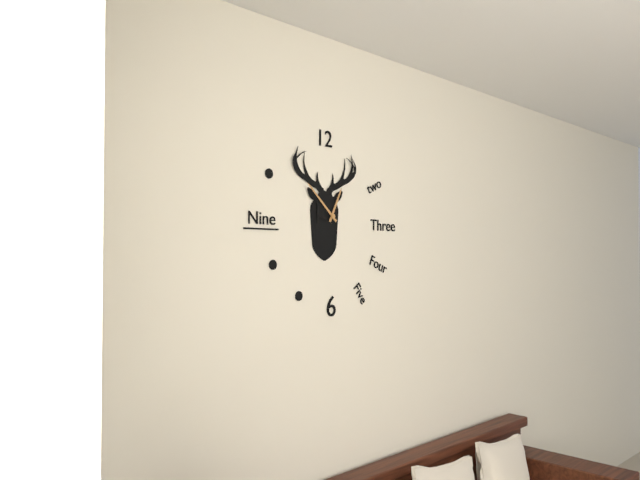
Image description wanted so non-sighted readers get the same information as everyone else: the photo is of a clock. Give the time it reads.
12:52
